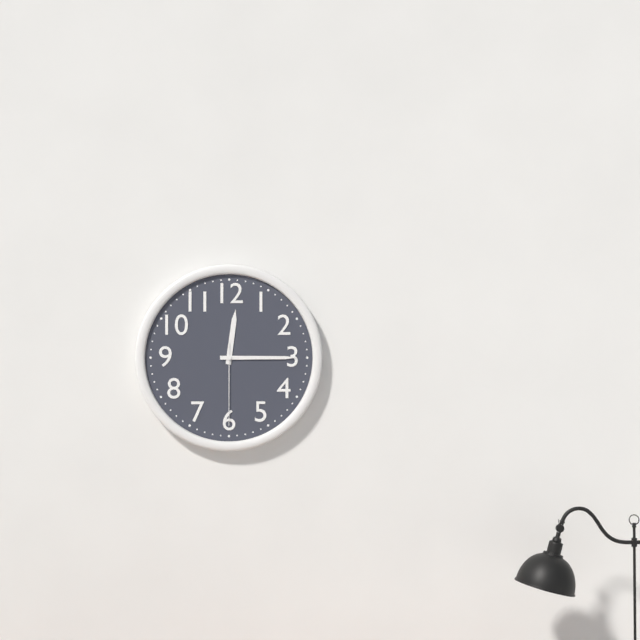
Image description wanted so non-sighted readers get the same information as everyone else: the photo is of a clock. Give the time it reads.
12:15:30
